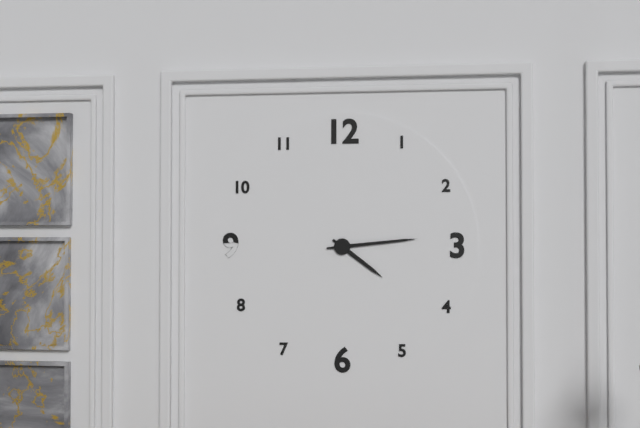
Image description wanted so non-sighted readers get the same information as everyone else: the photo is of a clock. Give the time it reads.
4:14
